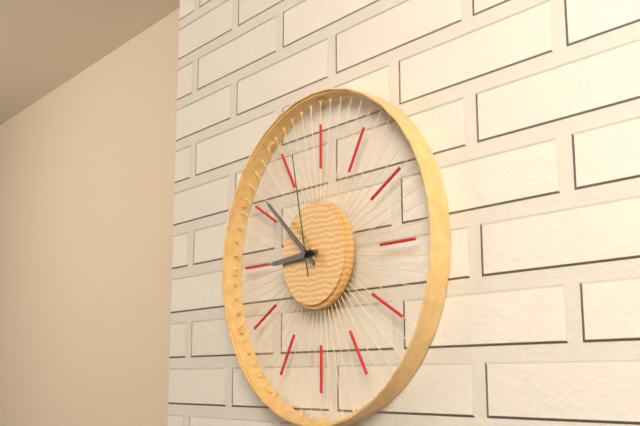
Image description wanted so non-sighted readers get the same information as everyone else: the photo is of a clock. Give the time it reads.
8:52:58
